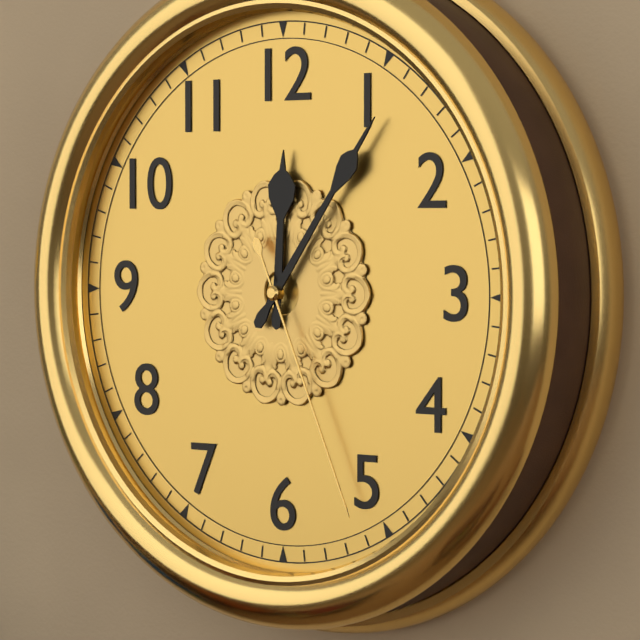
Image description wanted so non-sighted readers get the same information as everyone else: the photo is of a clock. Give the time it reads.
12:06:26
